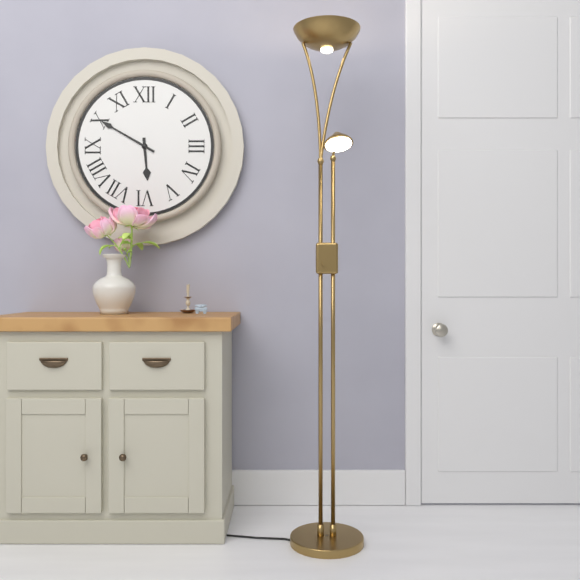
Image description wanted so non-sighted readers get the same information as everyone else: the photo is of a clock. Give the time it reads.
5:50
